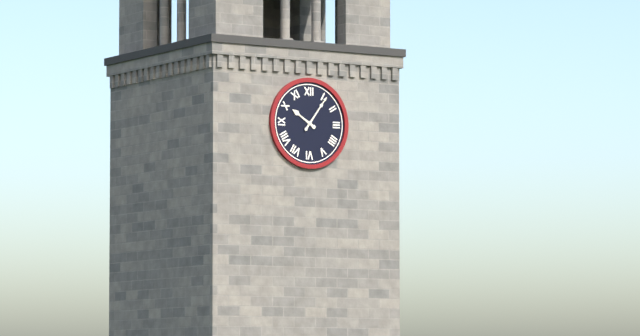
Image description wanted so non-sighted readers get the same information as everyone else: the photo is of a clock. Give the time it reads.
10:06
